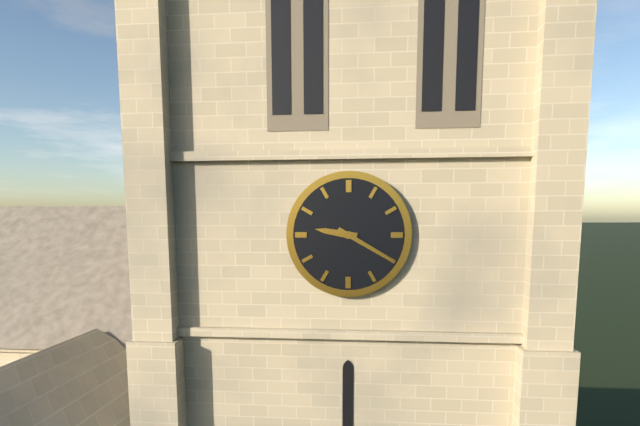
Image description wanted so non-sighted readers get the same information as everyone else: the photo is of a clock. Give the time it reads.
9:20
